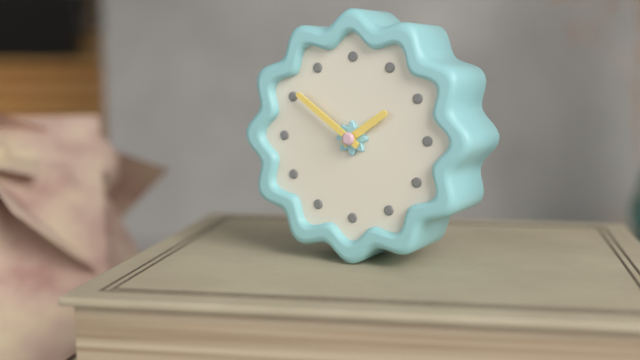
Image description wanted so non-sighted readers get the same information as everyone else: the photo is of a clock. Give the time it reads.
1:51
